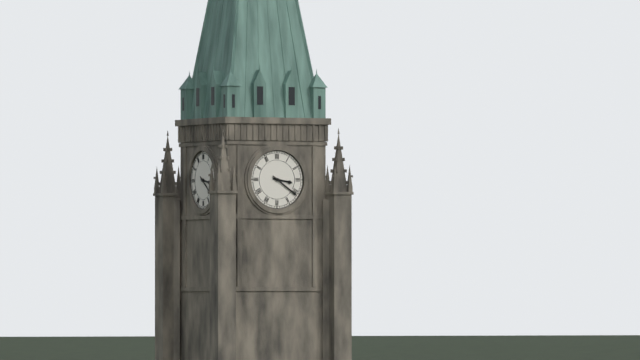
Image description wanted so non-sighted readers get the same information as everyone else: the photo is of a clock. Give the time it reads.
3:21
